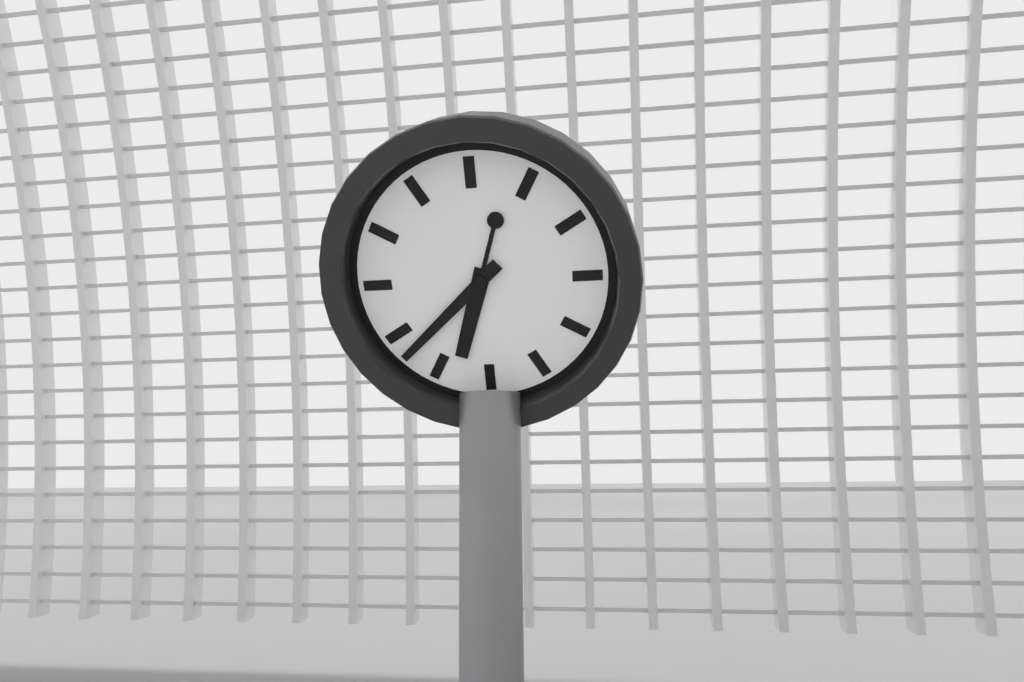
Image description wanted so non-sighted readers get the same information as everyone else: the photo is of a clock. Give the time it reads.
6:38
